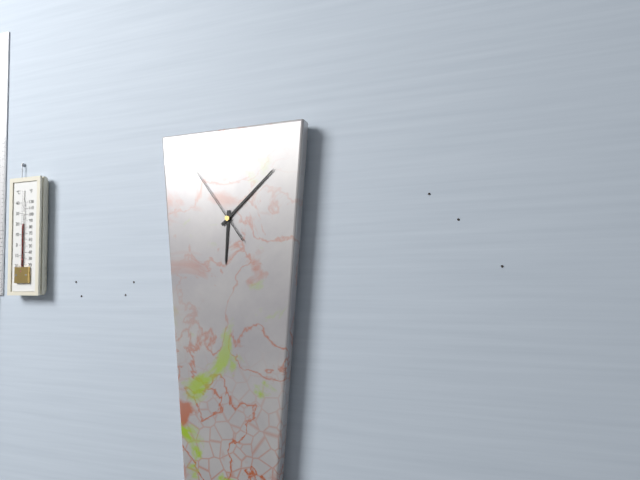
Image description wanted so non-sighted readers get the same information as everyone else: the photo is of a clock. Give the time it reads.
6:08:54
